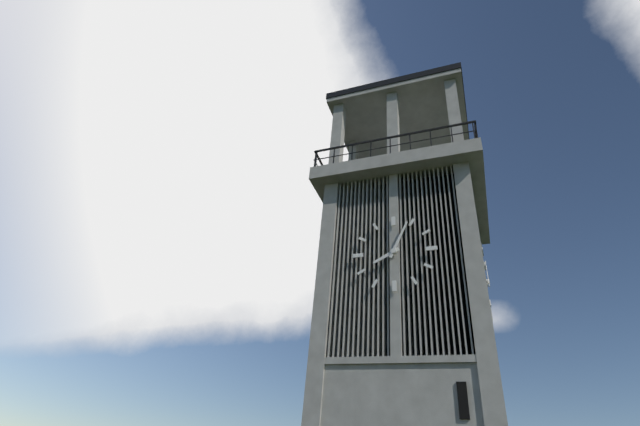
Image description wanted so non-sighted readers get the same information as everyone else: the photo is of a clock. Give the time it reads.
8:04
